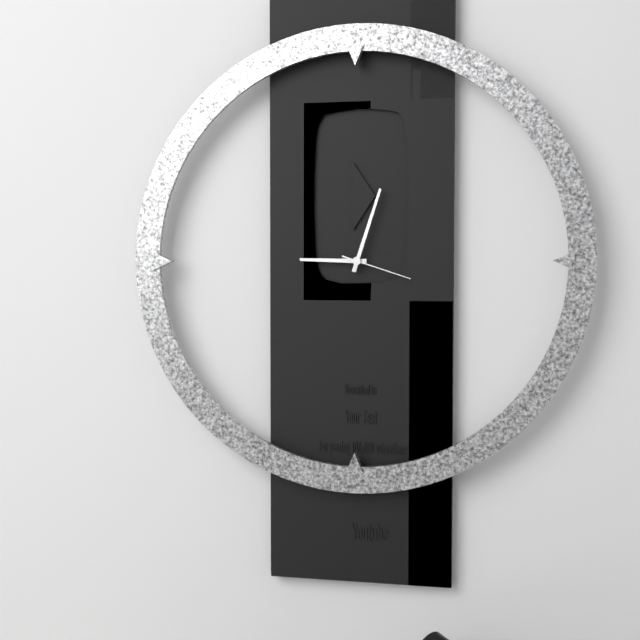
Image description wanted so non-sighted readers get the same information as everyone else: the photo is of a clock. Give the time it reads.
9:03:18
